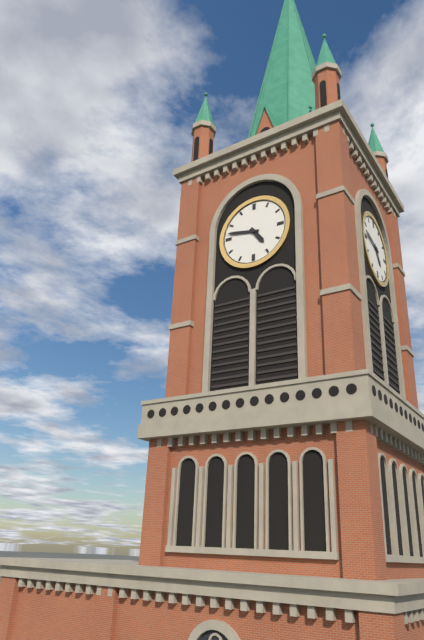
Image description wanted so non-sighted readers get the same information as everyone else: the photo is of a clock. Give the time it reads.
4:47
